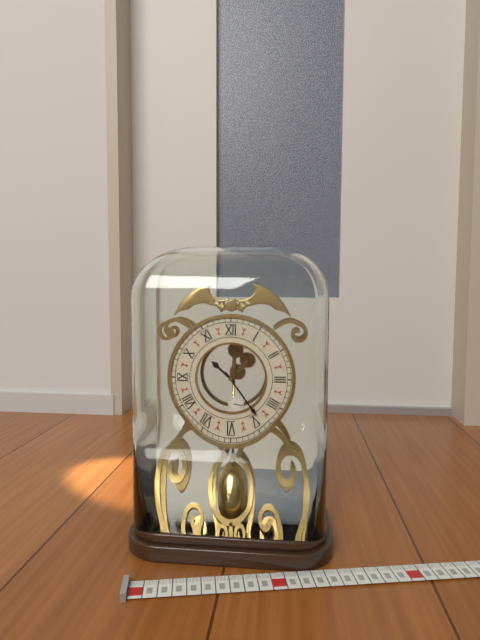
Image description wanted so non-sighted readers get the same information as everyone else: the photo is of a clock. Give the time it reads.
10:24
